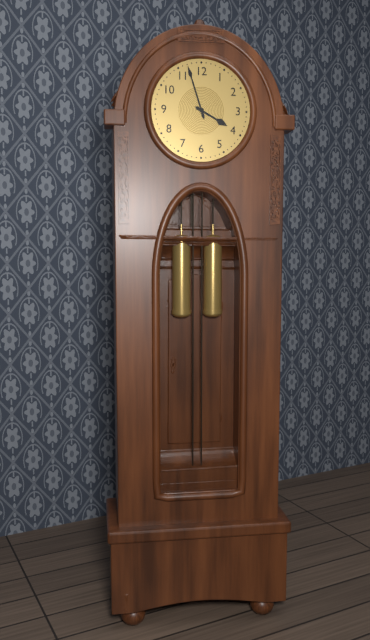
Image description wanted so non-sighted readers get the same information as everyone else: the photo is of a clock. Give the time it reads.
3:57
